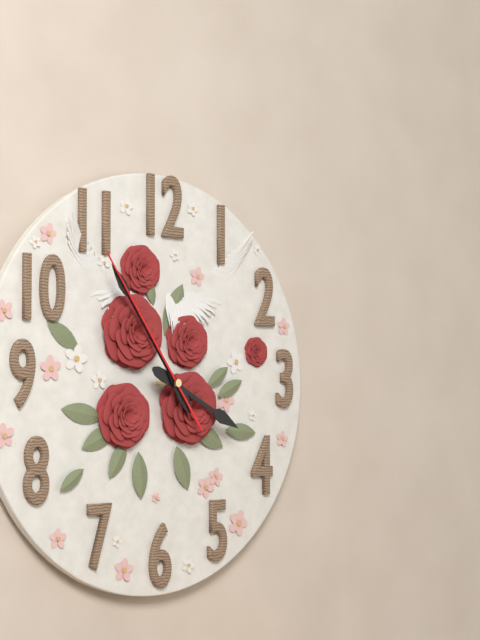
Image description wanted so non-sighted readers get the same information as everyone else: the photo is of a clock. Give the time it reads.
3:54:54
